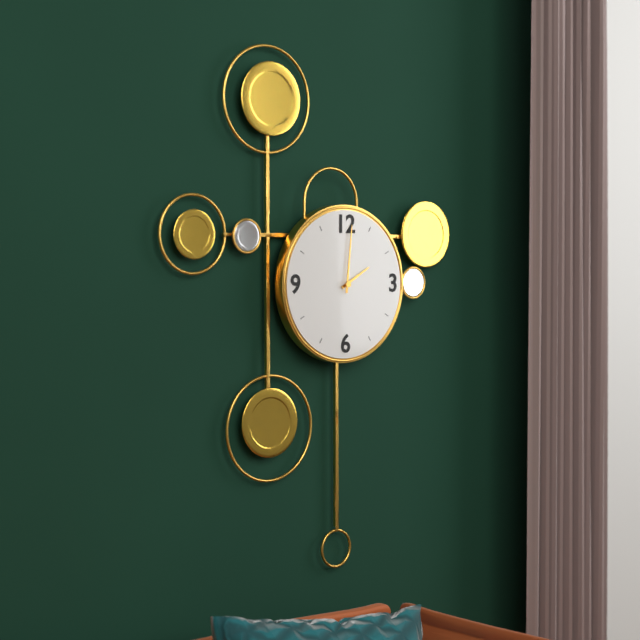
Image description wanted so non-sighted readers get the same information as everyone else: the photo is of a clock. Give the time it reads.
2:01
